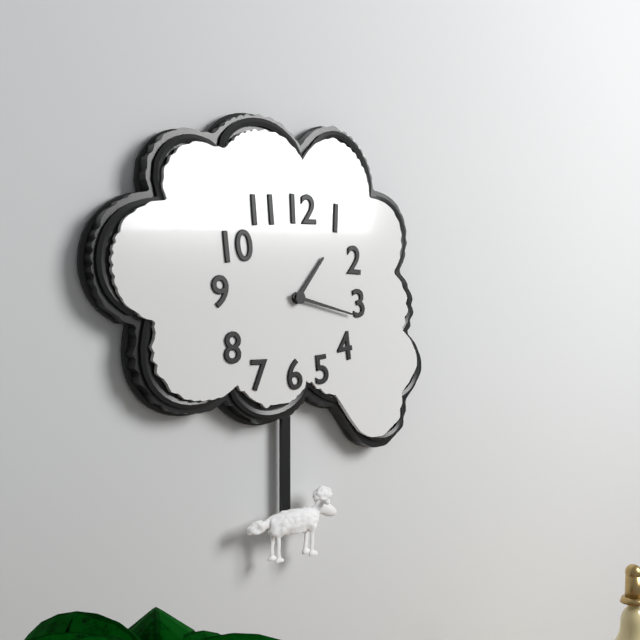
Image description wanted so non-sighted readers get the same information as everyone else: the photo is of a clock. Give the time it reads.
1:17
